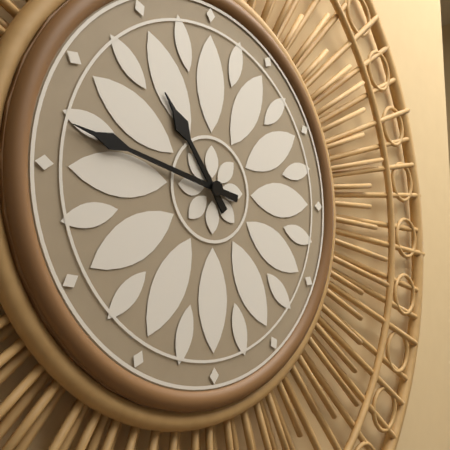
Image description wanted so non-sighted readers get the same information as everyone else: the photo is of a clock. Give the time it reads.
10:47
